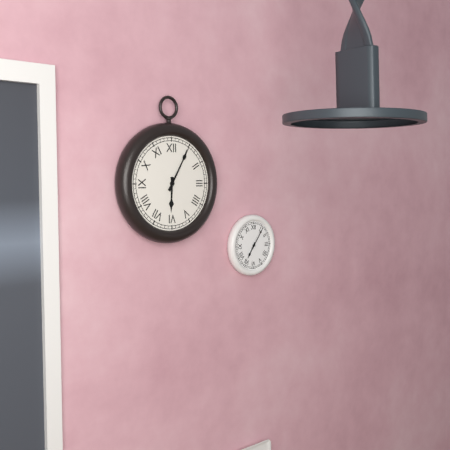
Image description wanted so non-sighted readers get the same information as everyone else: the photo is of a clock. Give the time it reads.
6:05
